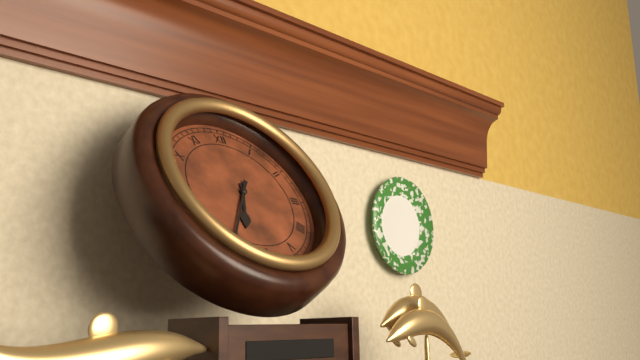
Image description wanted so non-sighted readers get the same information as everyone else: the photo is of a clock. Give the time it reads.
6:35
